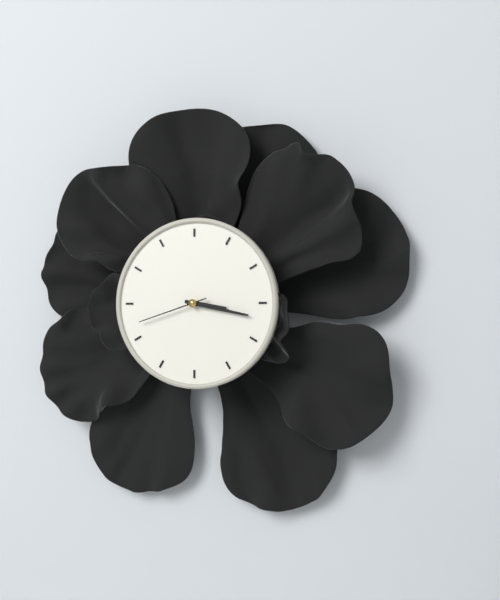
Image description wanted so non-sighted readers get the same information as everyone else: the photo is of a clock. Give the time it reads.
3:17:42
